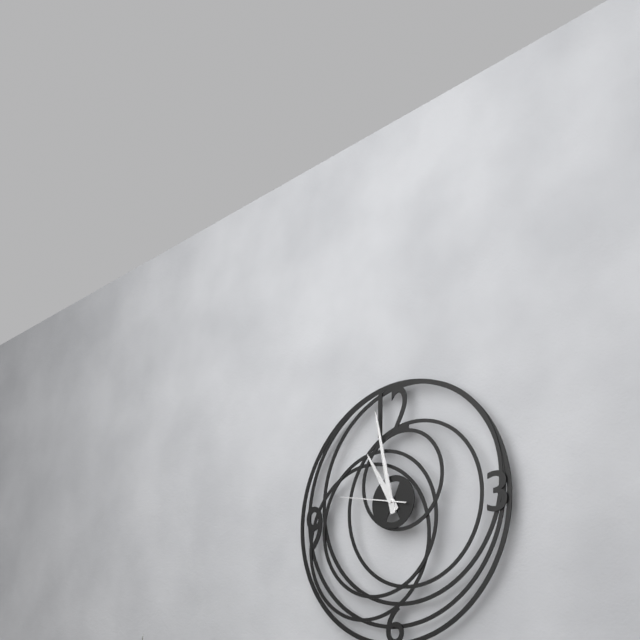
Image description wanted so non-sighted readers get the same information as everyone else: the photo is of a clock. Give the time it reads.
10:58:47
